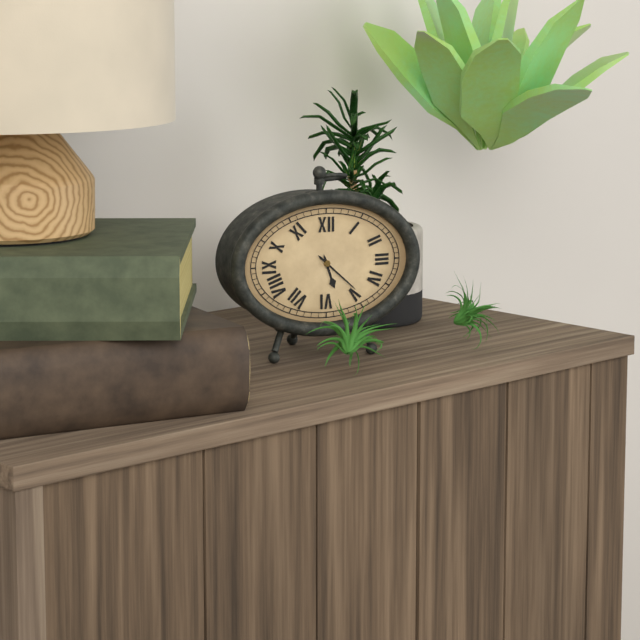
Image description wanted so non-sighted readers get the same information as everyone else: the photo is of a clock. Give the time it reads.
5:22
